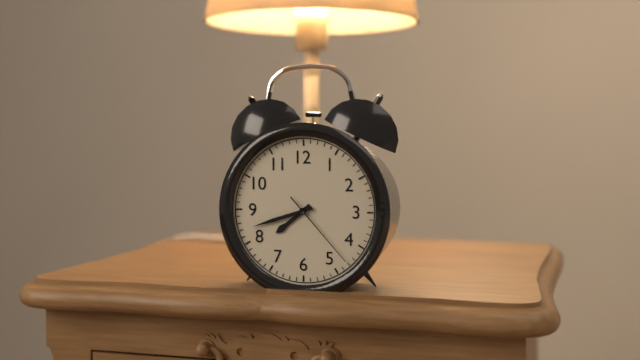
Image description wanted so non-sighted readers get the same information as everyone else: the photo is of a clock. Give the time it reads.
7:42:23
